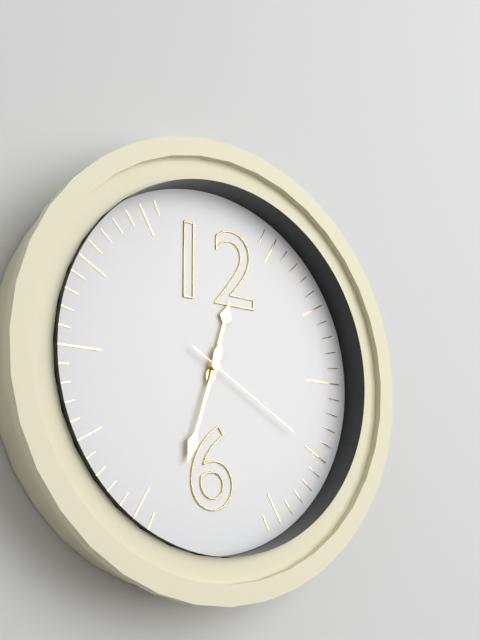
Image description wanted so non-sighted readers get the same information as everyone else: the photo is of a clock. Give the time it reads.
12:33:20
